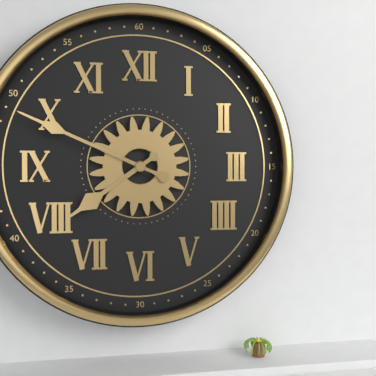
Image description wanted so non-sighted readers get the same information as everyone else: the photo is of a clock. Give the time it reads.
7:49
